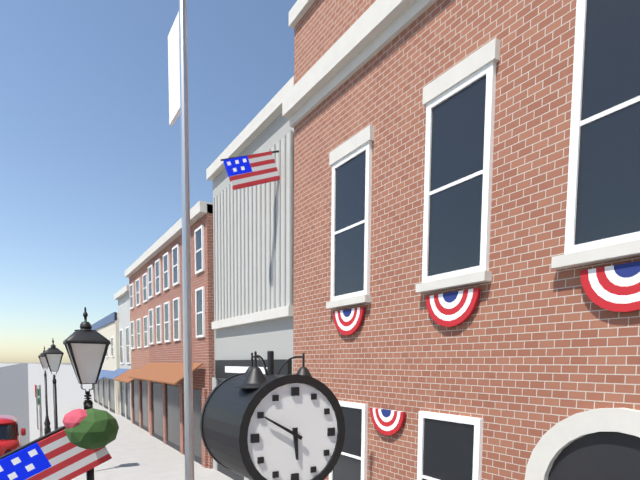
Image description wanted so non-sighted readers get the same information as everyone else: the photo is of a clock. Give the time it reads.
5:50
